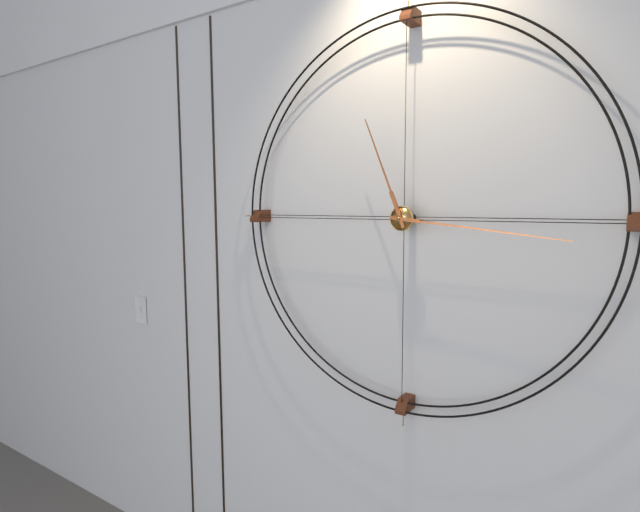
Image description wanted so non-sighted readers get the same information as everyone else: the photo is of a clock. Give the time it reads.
11:16
